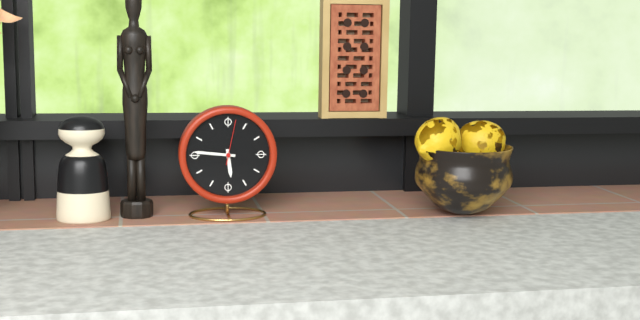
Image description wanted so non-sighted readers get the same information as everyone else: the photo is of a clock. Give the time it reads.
5:46
